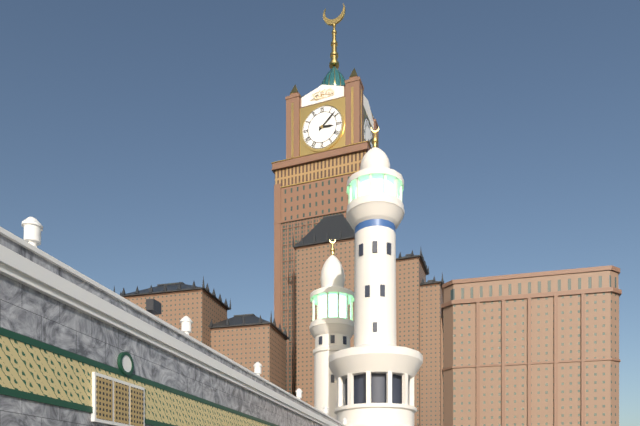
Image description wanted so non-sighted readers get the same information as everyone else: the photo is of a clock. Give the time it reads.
3:08
